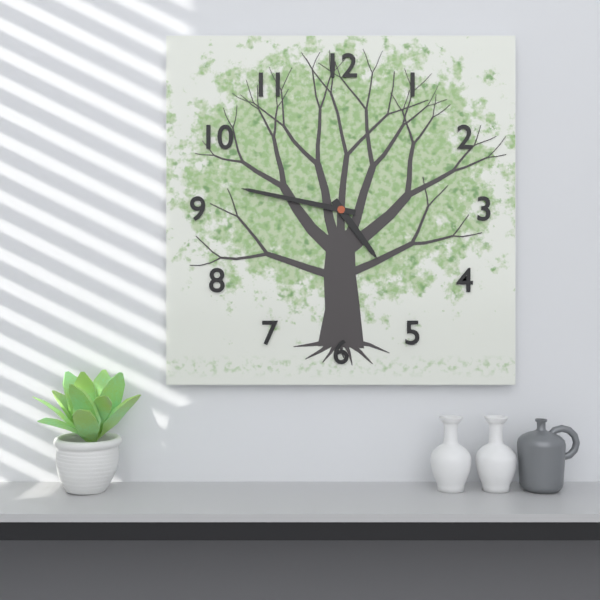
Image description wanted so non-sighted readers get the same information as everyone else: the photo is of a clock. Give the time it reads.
4:47
